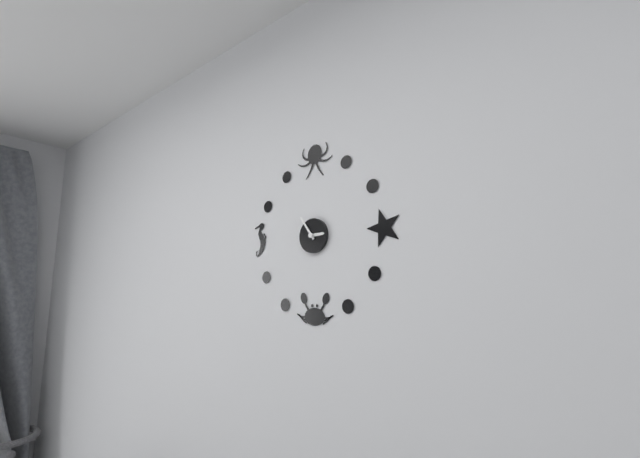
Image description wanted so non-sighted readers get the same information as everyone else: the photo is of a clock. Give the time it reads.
2:54
